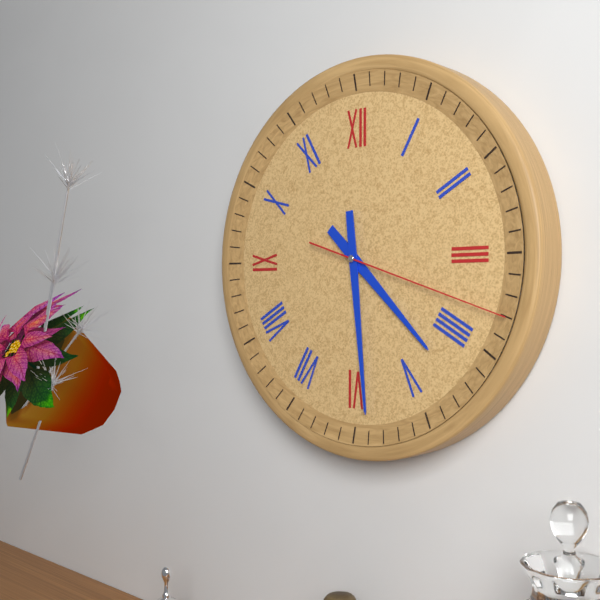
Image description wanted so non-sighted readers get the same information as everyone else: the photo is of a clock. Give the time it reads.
4:29:18
